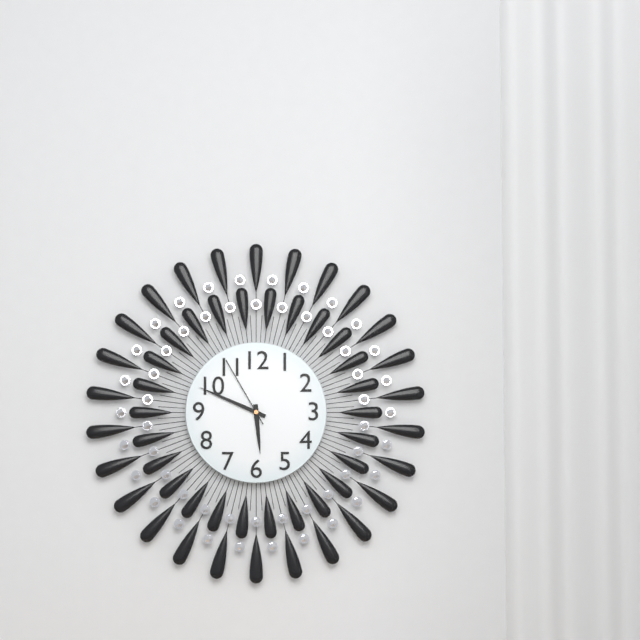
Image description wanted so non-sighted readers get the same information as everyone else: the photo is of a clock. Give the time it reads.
5:49:55
